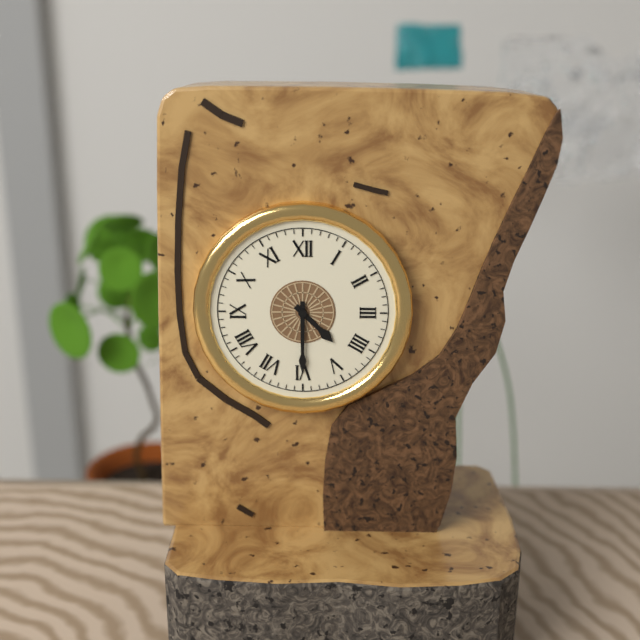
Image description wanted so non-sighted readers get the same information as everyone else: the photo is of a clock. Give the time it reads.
4:30
